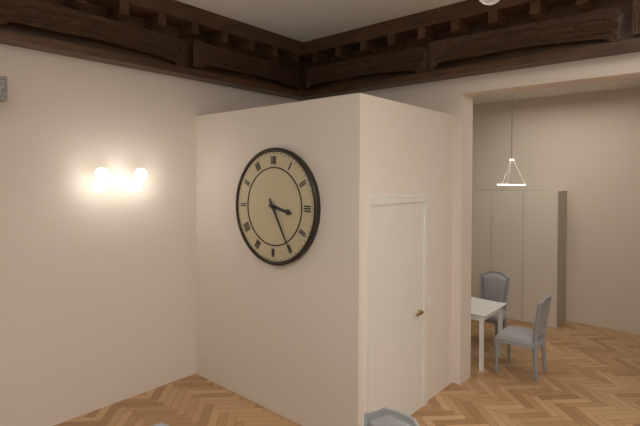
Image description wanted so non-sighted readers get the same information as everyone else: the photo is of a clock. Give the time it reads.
3:25
